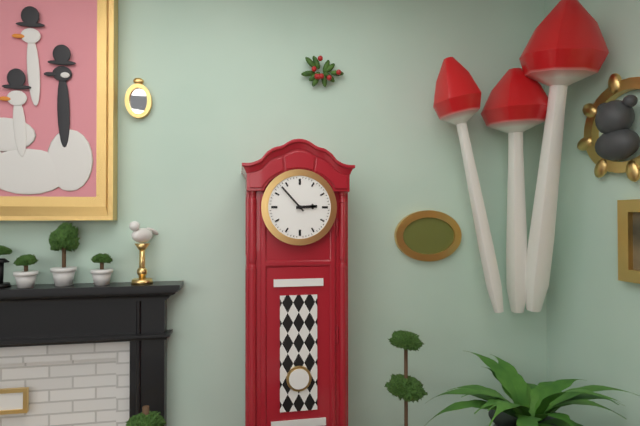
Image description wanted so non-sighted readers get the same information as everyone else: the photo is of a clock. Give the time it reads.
2:53
